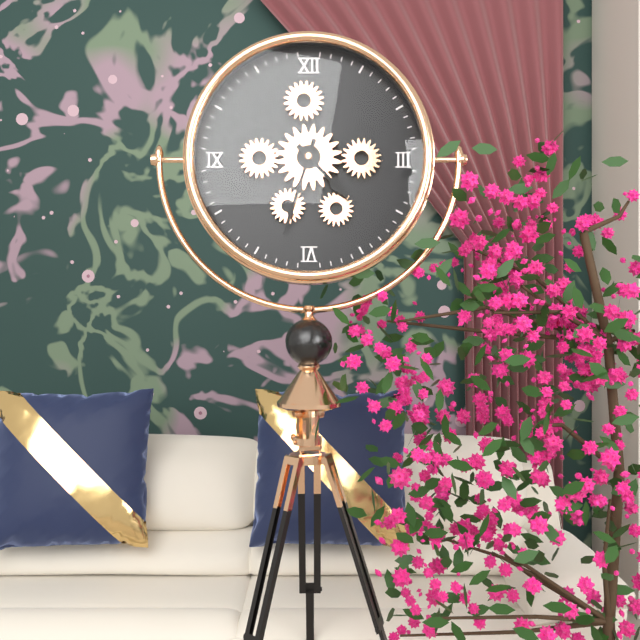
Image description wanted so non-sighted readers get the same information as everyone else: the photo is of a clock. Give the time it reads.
4:33
